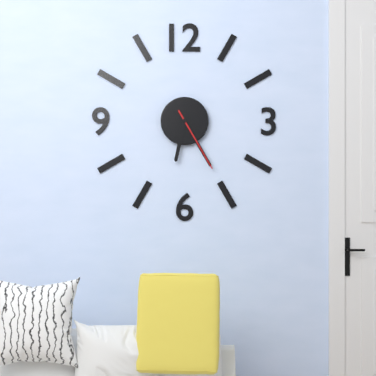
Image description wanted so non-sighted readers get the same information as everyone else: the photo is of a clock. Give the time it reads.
6:25:25
